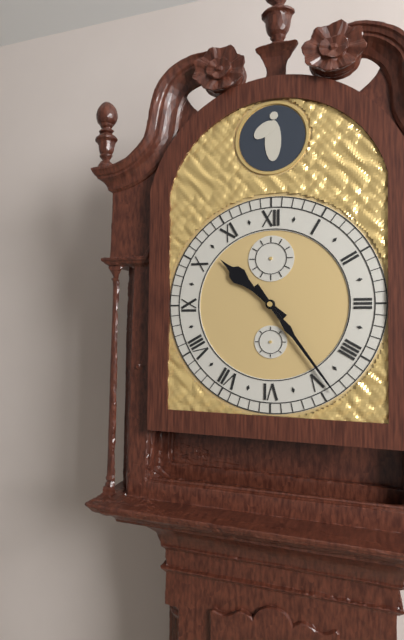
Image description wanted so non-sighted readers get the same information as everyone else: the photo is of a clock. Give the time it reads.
10:24
